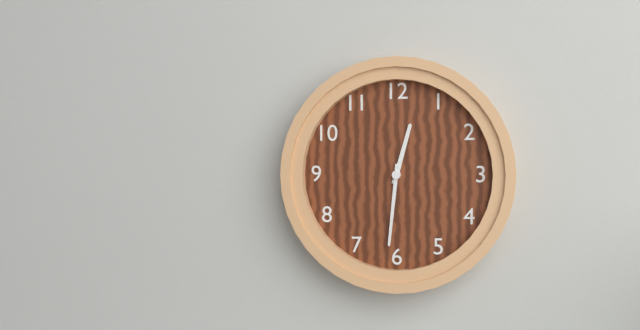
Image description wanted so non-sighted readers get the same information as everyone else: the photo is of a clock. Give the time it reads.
12:31
